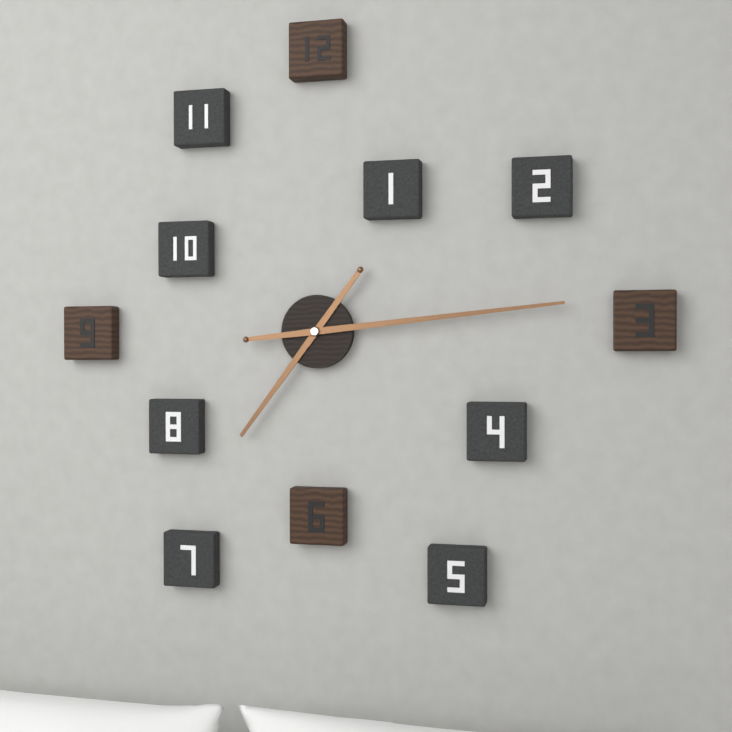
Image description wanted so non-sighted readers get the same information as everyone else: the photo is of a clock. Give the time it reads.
7:14
